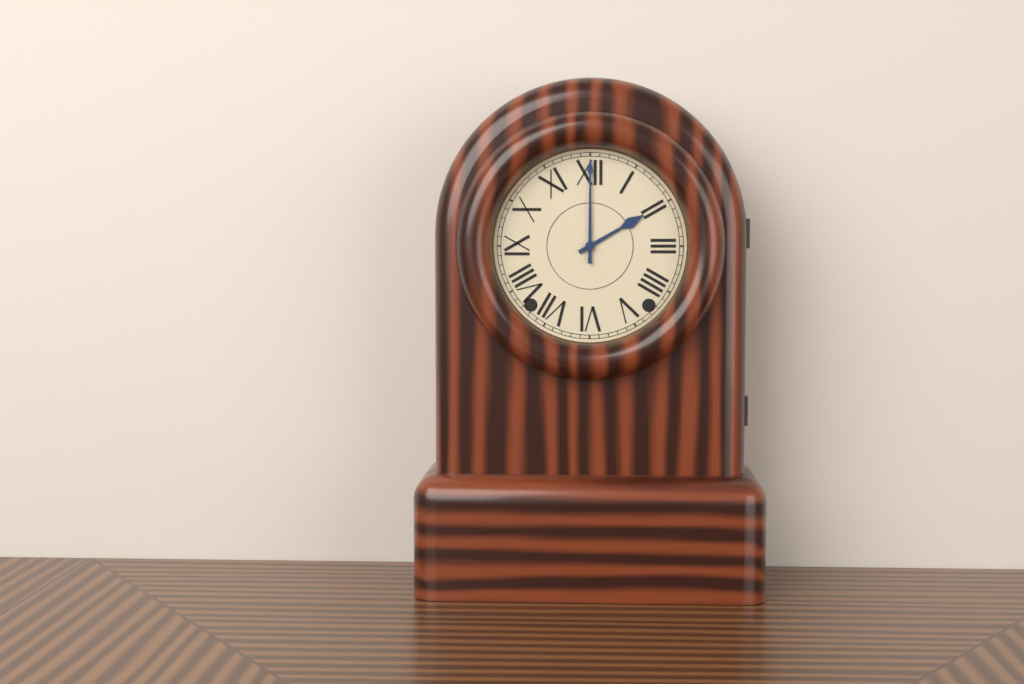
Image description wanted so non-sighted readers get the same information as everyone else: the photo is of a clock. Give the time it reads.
2:00
